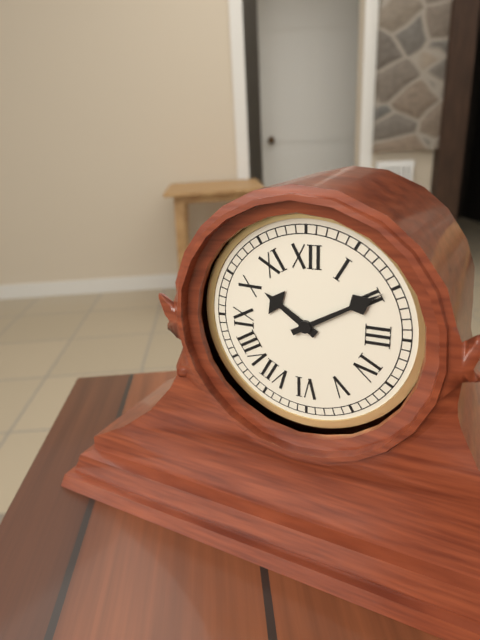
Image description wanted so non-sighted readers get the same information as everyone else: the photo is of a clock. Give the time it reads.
10:10
